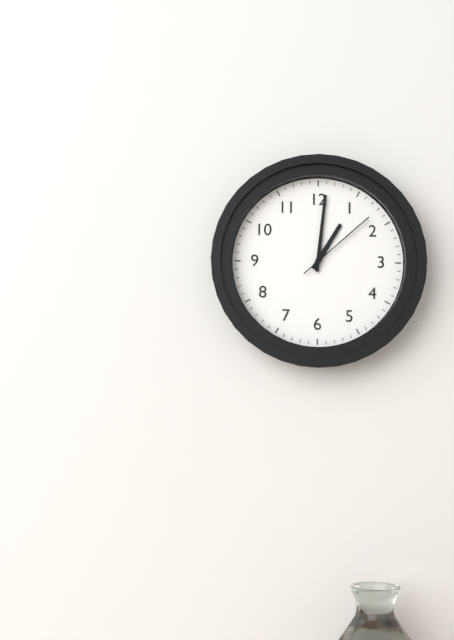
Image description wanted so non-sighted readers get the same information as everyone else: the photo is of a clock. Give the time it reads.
1:01:08
